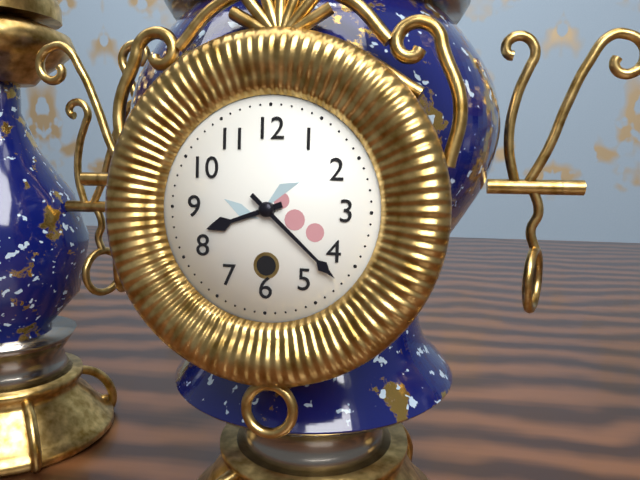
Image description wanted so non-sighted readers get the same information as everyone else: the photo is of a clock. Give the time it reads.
8:22
